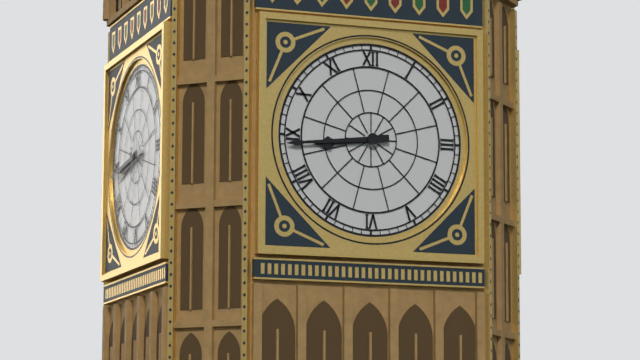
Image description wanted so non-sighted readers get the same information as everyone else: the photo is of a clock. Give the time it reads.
8:44
